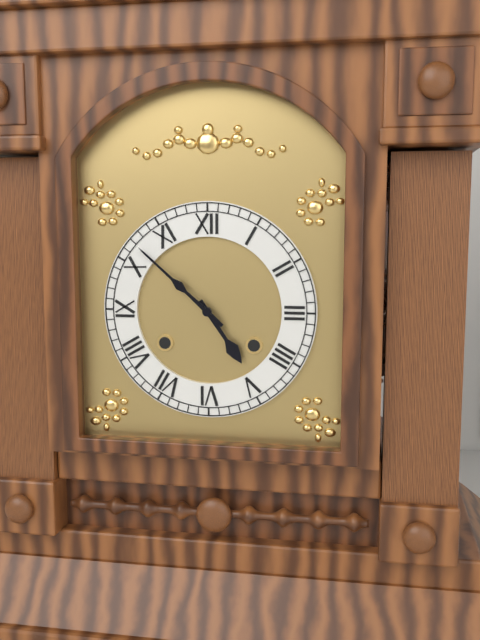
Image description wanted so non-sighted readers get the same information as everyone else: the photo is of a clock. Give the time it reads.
4:52
